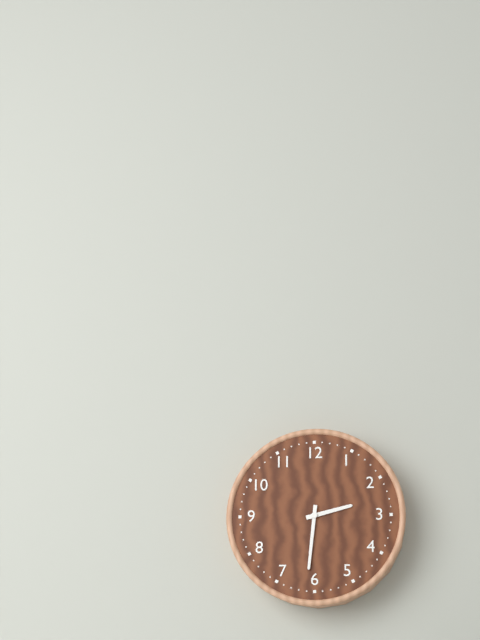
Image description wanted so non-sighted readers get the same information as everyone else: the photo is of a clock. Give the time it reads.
2:31
